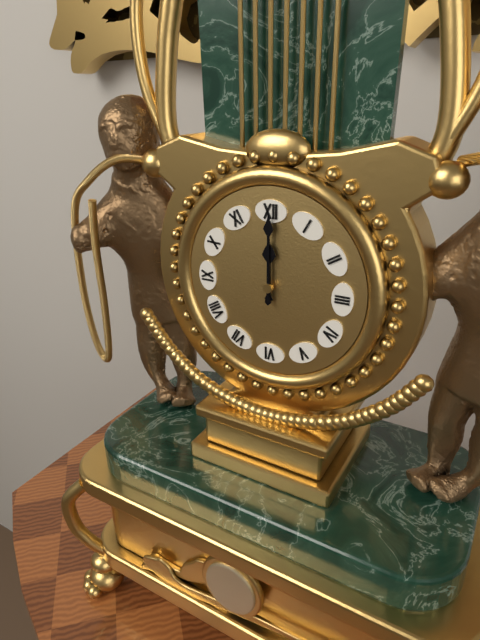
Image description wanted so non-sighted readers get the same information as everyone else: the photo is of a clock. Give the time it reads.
12:00
